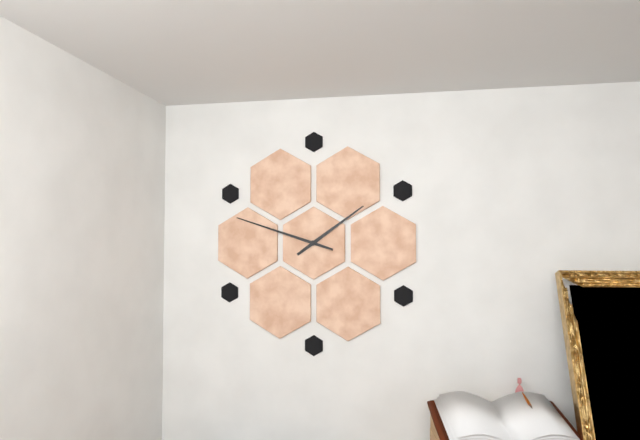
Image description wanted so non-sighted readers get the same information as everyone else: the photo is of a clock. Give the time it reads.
1:48
